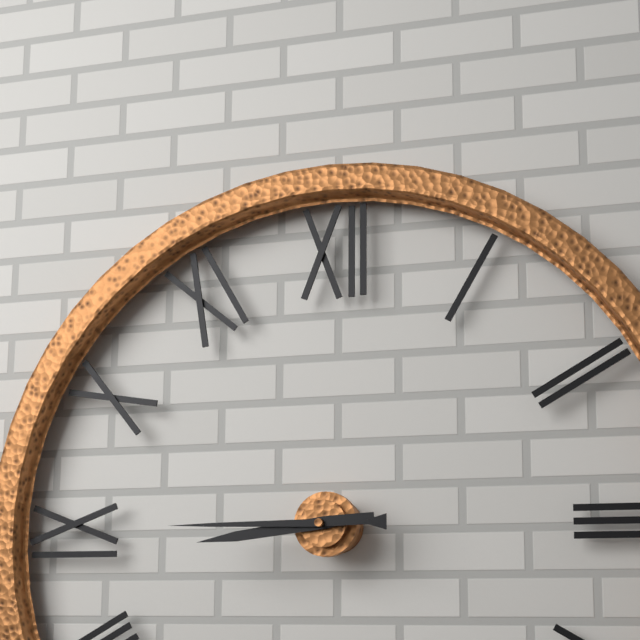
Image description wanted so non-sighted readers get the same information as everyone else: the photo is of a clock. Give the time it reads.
8:45
